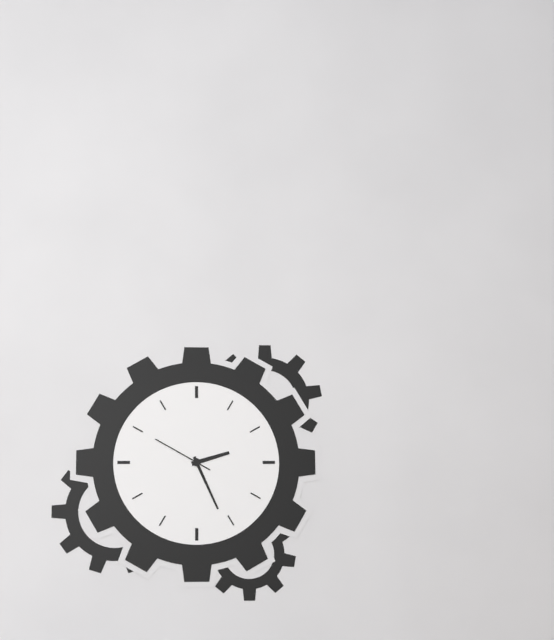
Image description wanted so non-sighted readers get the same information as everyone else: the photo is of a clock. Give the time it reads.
2:26:50
